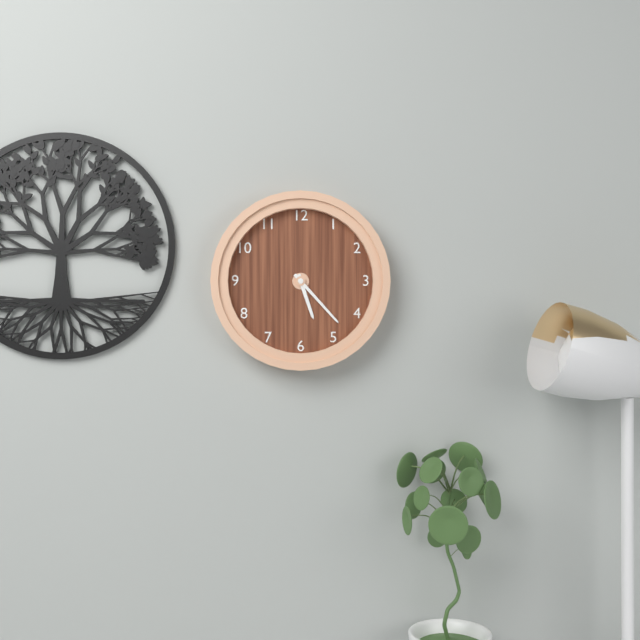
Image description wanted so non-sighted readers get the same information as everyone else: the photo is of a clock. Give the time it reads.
5:23
